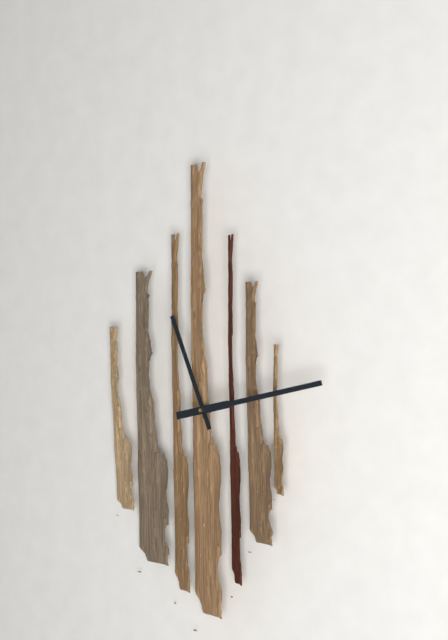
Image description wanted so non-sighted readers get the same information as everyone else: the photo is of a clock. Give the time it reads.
11:13
